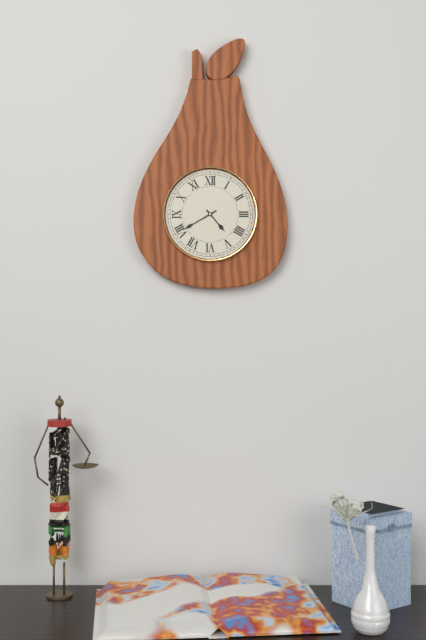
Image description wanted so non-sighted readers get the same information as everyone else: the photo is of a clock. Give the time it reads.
4:40
